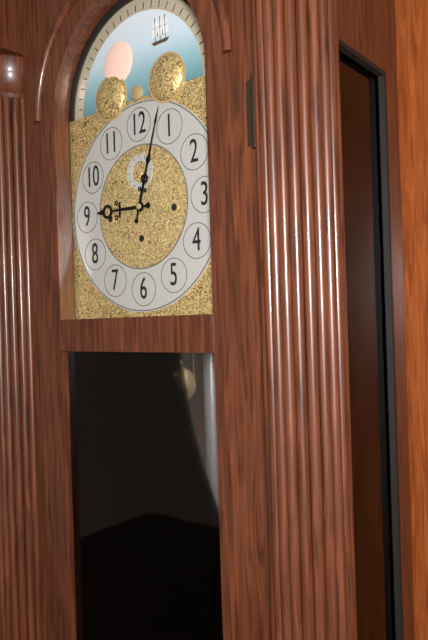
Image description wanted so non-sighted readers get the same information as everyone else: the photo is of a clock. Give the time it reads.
9:03
